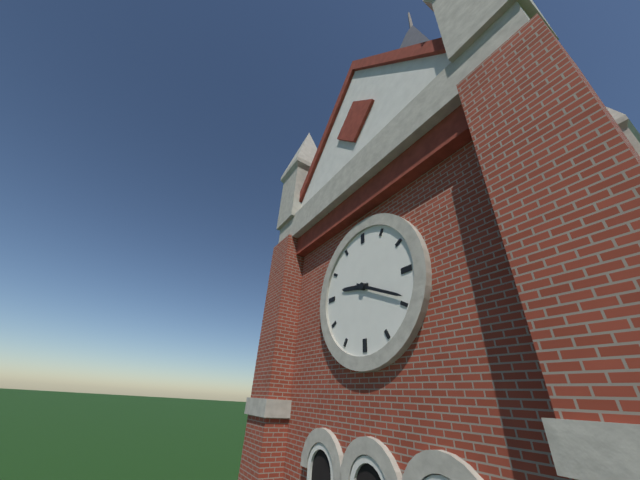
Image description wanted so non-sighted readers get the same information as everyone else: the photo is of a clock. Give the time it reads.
9:19
